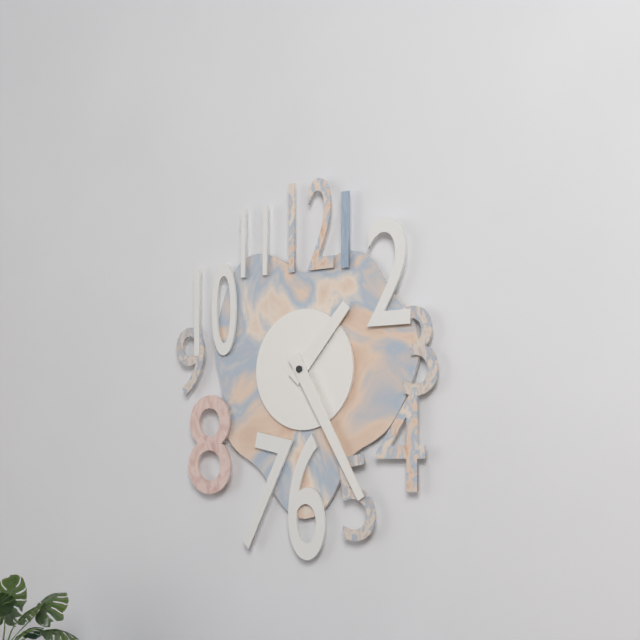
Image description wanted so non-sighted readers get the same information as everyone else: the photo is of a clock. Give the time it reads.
1:25
